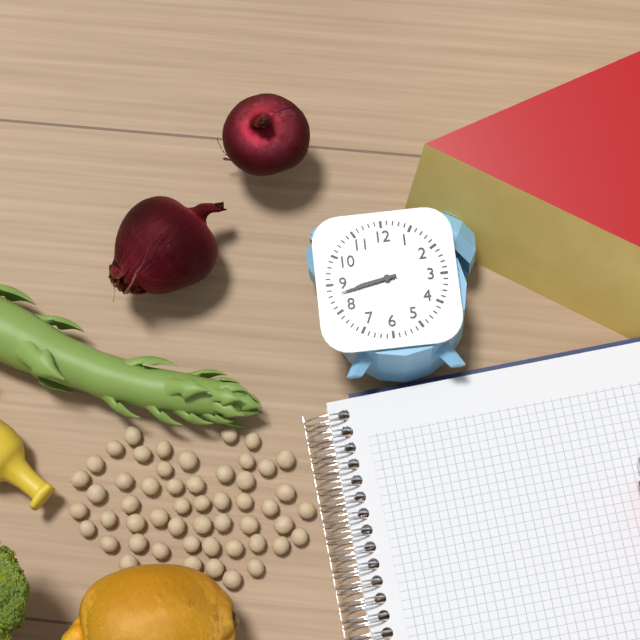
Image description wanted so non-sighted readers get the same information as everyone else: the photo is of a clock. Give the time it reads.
8:43
